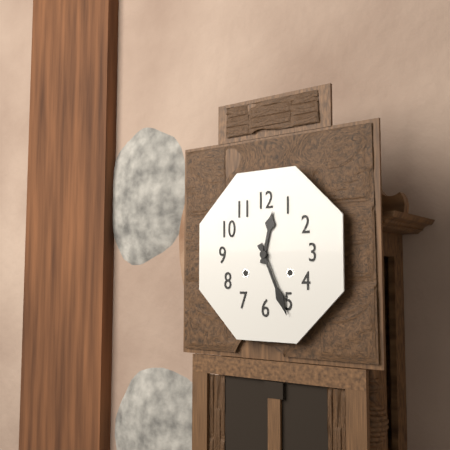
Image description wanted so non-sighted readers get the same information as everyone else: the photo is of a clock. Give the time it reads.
12:26
